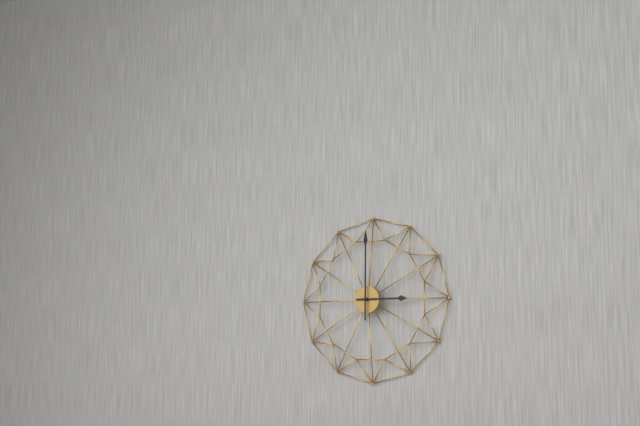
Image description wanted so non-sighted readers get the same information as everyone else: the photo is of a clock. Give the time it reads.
3:00
